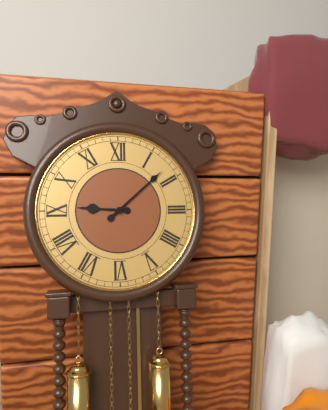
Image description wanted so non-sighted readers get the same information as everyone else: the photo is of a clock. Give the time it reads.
9:08
